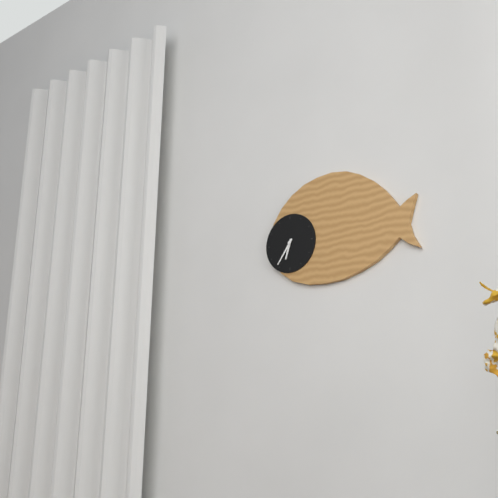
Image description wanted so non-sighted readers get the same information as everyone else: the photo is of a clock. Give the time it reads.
6:36
